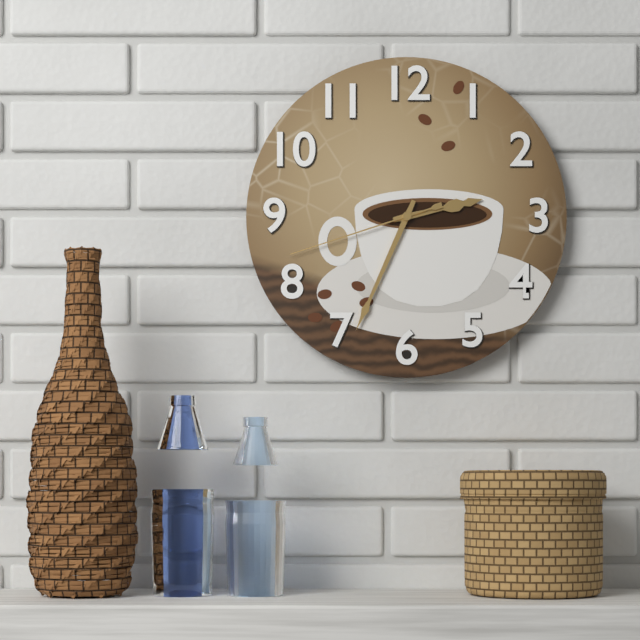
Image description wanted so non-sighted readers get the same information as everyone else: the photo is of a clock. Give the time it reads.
2:34:42
